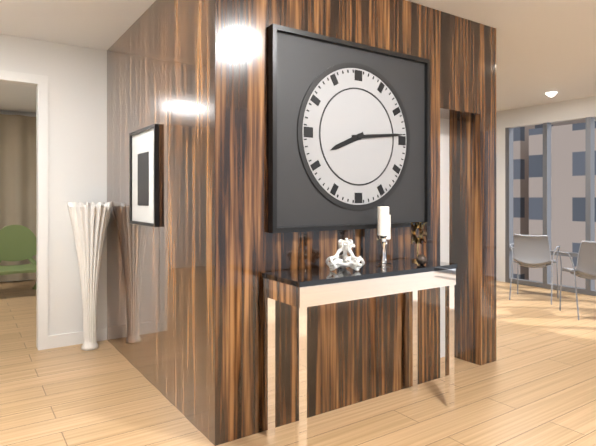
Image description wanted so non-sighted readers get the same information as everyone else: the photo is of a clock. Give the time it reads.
8:14
